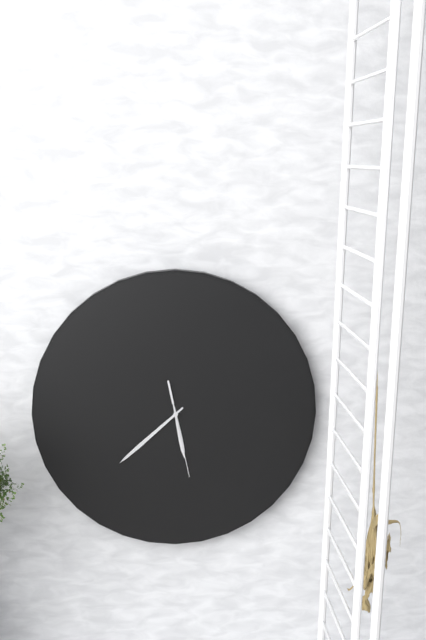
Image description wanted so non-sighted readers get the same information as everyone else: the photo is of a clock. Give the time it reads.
5:38:28
